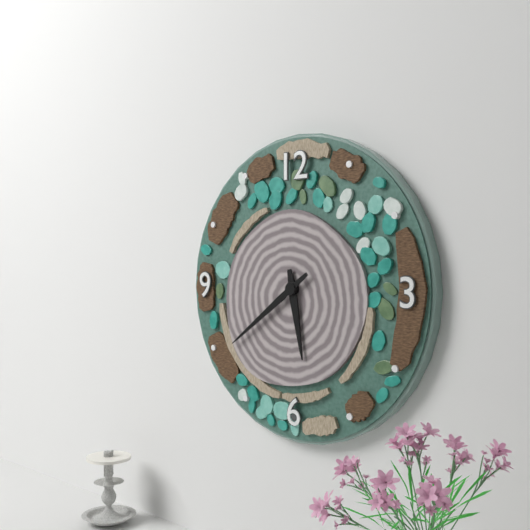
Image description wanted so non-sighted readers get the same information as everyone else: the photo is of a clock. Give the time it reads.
5:39
